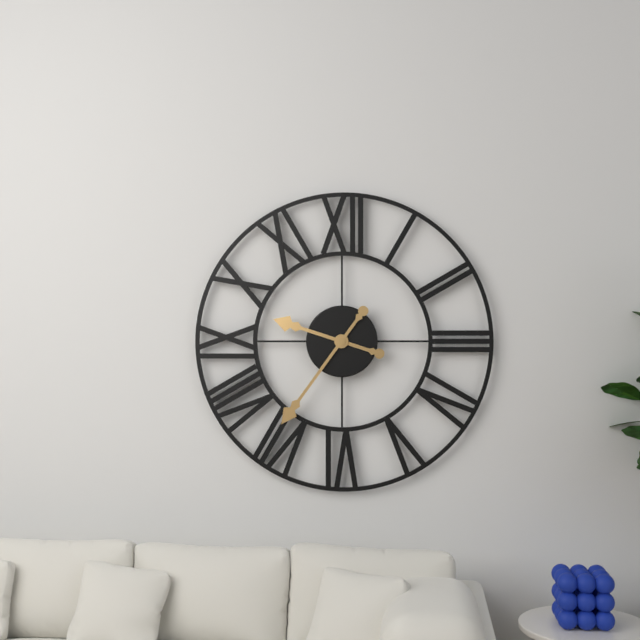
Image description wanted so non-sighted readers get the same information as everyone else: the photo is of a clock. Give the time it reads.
9:36
